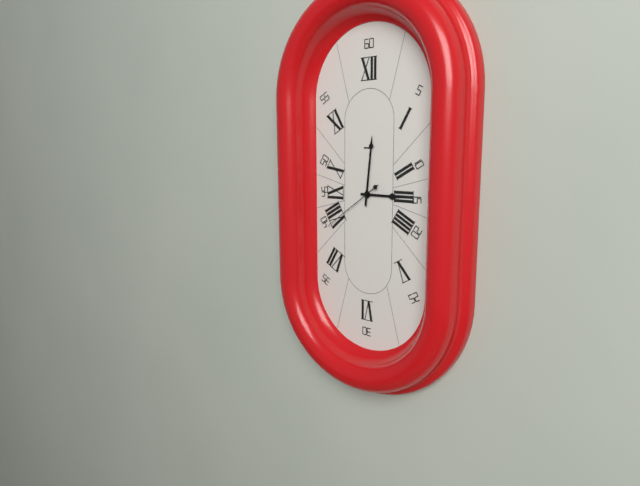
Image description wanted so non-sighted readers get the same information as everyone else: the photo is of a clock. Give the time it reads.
3:01:39
